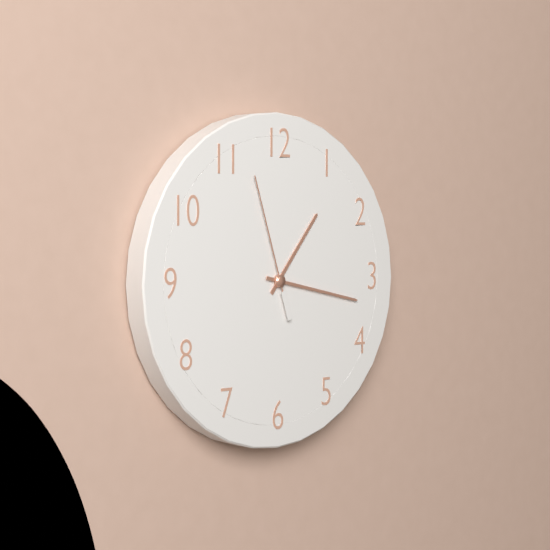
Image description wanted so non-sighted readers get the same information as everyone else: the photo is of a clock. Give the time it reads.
1:17:57
